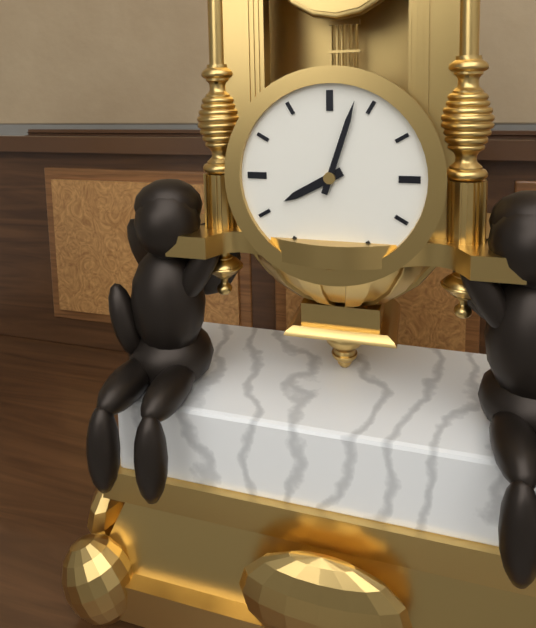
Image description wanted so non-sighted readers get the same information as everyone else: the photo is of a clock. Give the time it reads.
8:03
